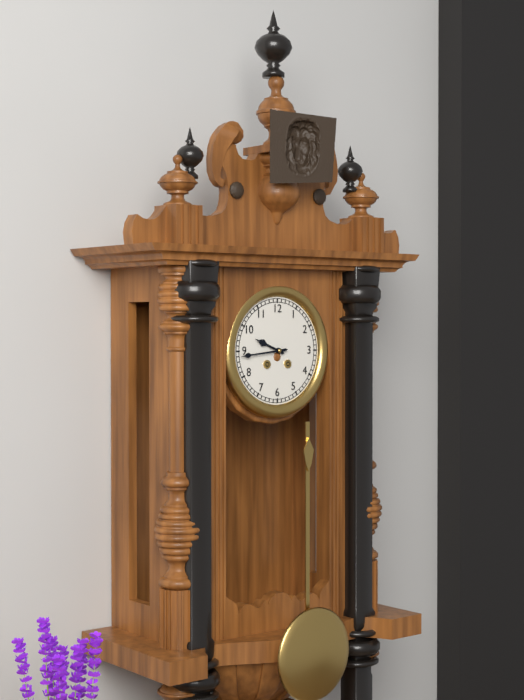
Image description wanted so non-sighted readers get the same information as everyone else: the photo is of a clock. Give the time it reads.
9:44
